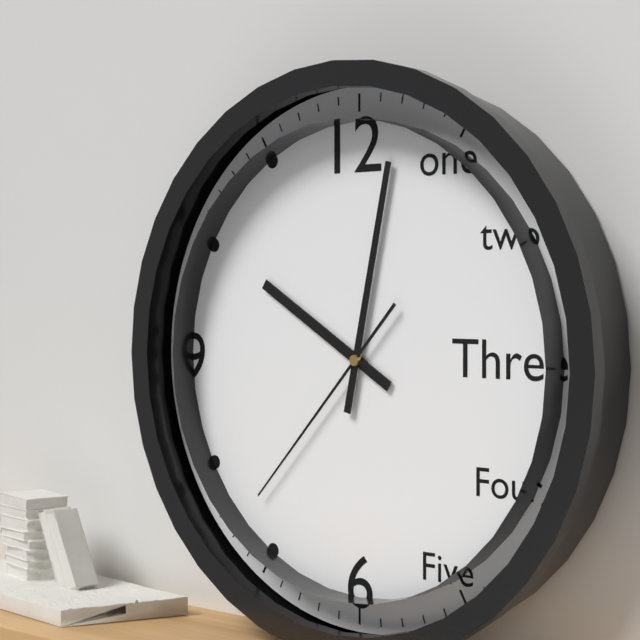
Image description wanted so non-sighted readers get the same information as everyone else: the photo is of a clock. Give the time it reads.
10:02:37
